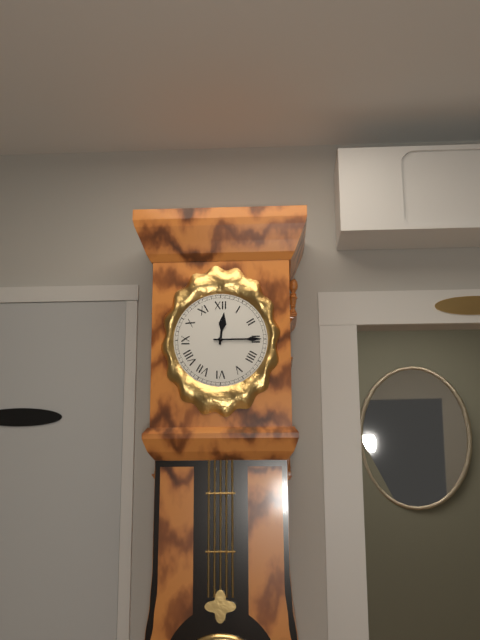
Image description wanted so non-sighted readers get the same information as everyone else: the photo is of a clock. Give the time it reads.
12:15
